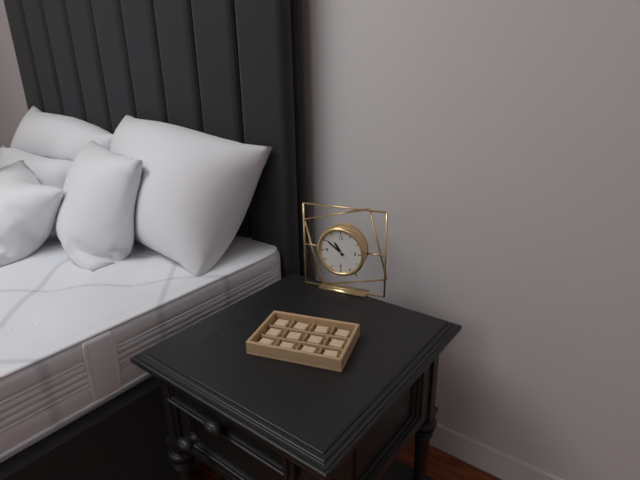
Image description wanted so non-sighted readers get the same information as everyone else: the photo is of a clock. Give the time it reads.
10:51
